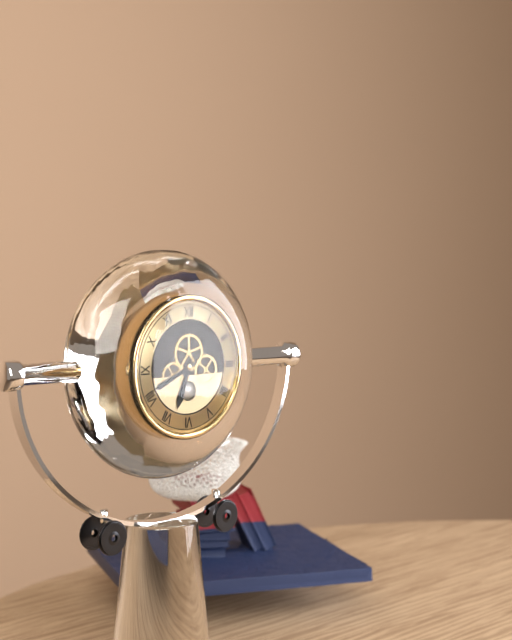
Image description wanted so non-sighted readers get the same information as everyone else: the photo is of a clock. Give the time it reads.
6:41
